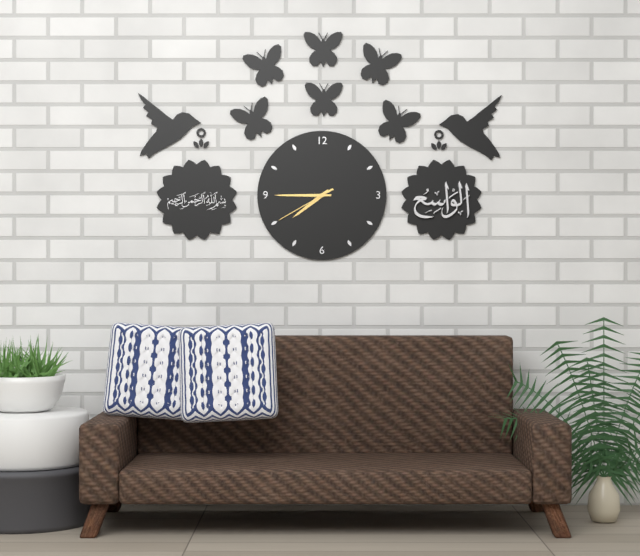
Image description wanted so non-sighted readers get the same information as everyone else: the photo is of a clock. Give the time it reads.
7:45:40
